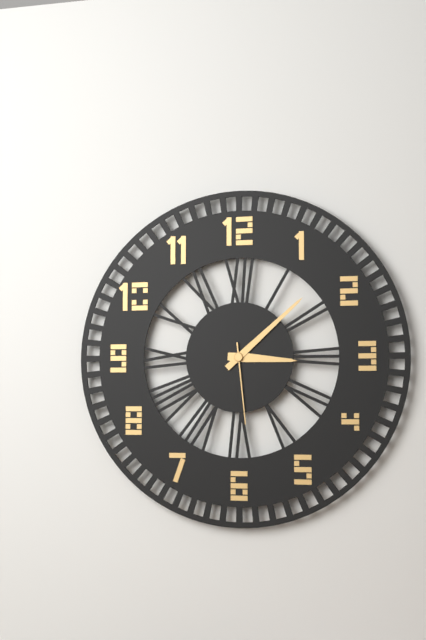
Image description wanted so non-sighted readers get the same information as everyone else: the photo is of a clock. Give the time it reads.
3:08:29
